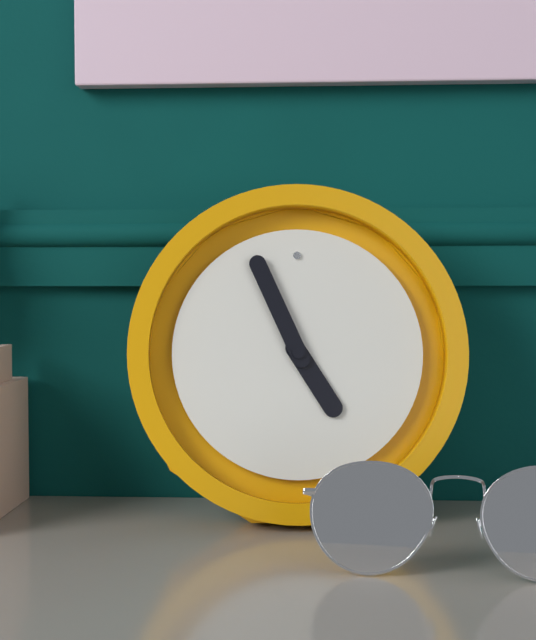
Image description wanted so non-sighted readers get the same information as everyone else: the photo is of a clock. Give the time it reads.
4:56
